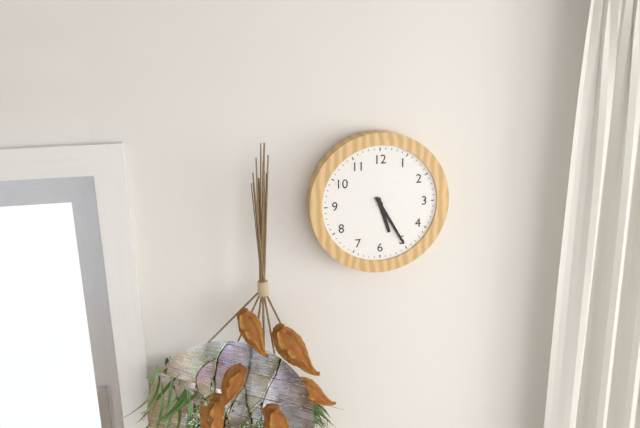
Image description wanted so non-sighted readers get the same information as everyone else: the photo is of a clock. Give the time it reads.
5:25
